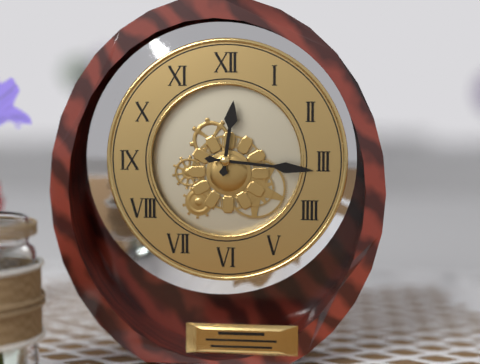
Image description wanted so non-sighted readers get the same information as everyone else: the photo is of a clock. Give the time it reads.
12:16
